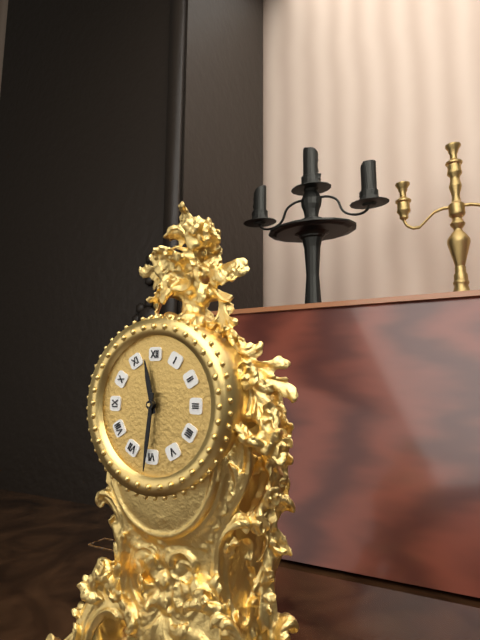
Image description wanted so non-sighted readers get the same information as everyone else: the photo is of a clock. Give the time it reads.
11:31
